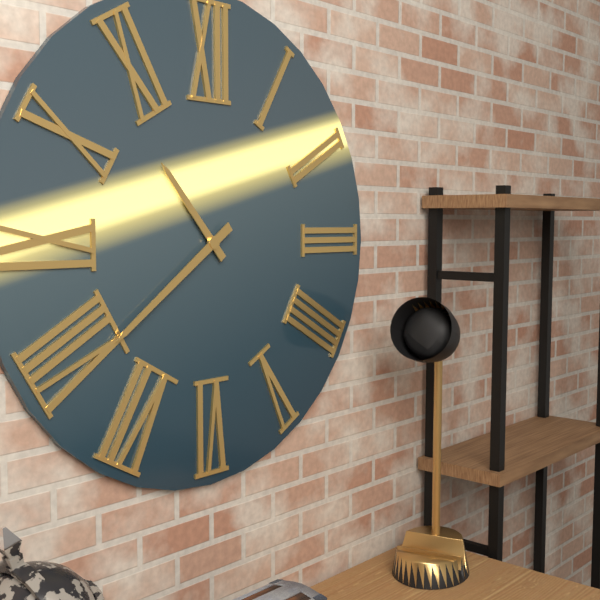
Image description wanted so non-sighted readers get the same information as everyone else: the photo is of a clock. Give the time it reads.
10:39
